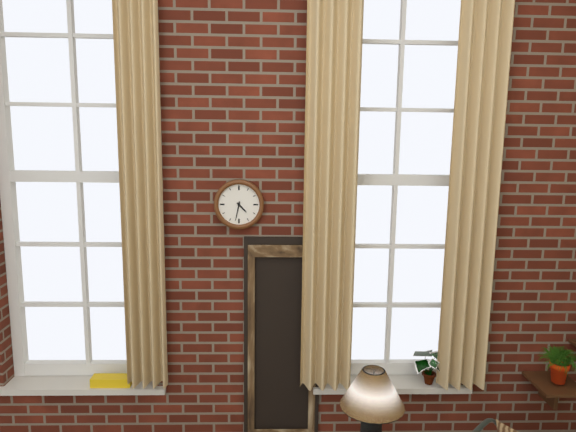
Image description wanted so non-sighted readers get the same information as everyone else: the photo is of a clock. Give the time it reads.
4:32
